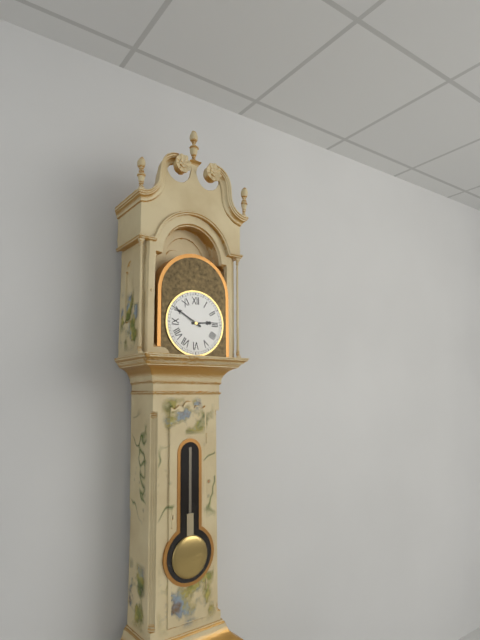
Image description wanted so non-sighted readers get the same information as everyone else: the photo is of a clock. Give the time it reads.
2:50
